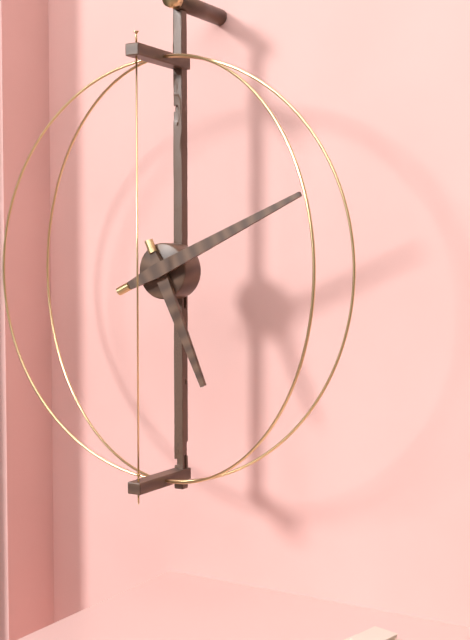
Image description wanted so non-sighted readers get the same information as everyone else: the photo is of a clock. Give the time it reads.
5:11
